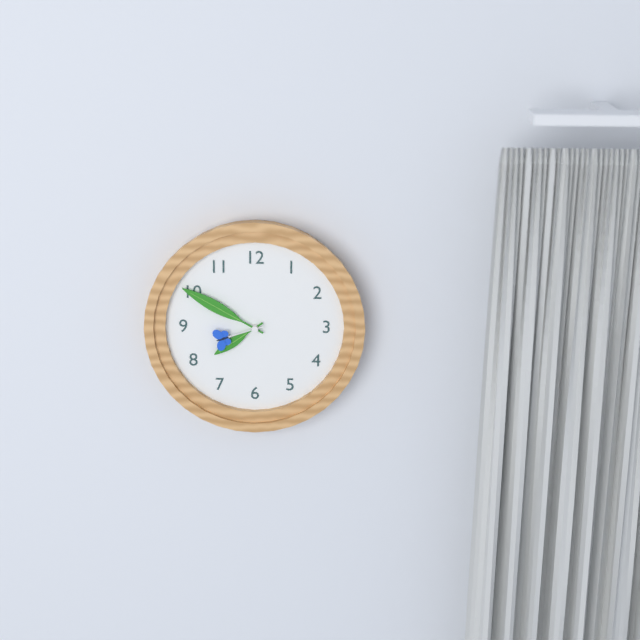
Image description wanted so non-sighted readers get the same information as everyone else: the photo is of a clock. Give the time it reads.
7:50:42
